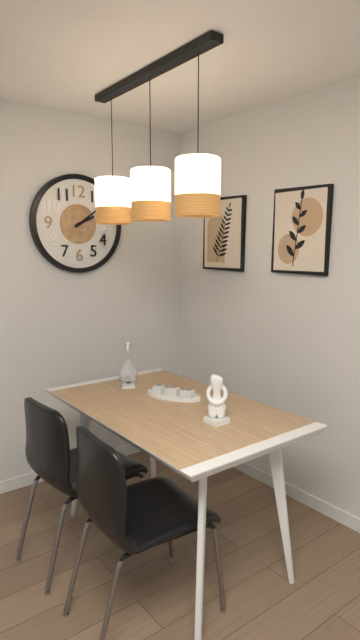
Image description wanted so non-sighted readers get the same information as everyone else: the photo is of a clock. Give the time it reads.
2:09
